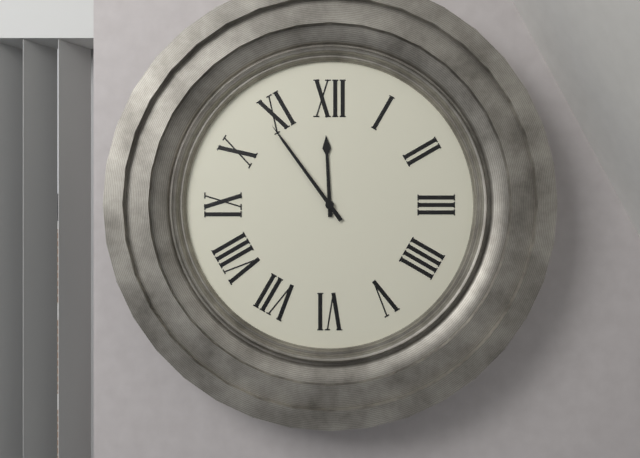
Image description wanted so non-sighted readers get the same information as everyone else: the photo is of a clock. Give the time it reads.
11:54
